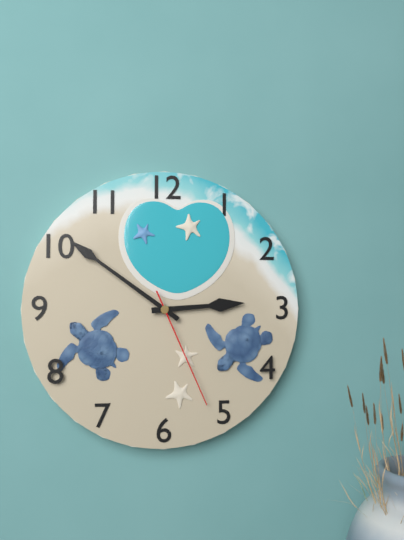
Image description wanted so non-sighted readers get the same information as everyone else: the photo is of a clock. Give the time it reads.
2:51:26
